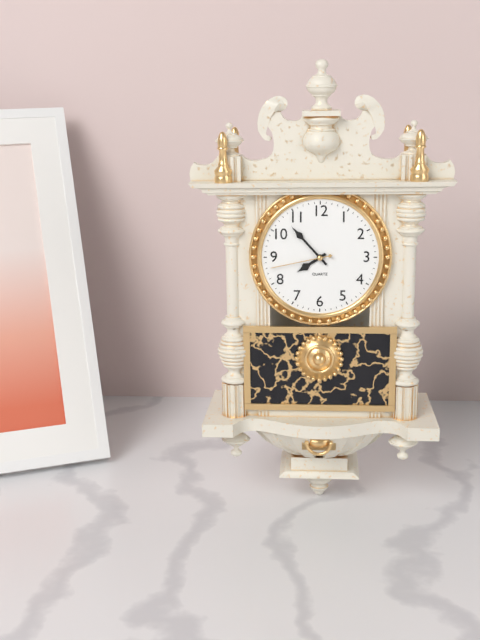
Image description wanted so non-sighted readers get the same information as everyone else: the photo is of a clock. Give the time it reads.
7:53:43
